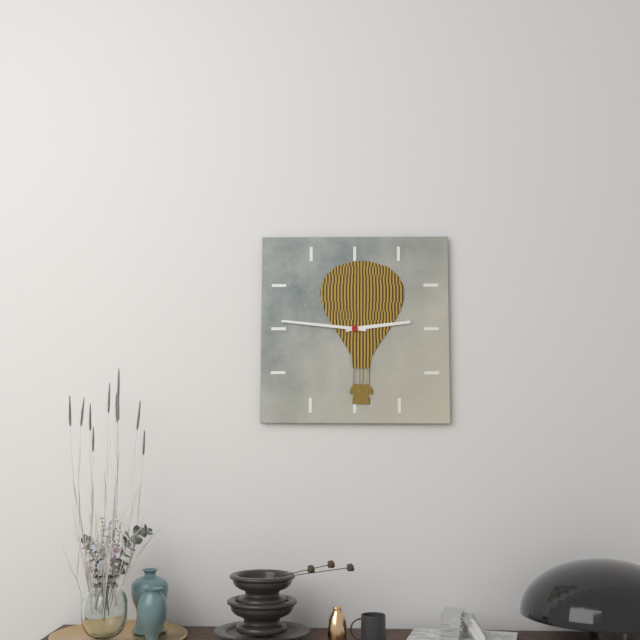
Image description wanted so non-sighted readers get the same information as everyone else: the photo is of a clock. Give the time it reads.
2:46
